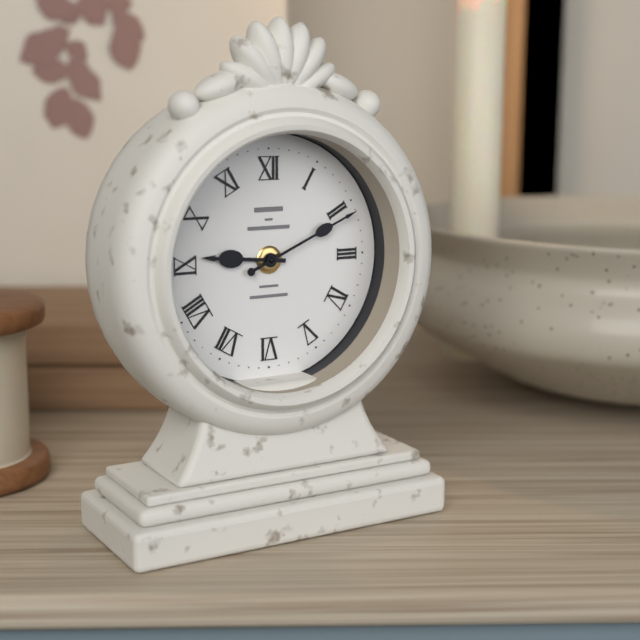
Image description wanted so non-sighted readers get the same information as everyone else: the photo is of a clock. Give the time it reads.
9:11
